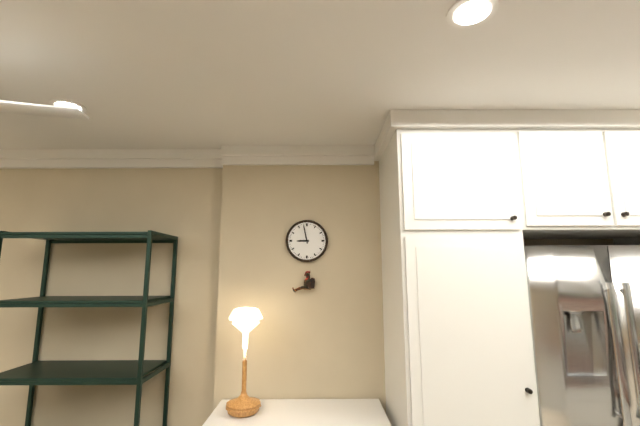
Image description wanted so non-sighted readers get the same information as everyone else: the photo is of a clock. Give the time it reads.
8:58
